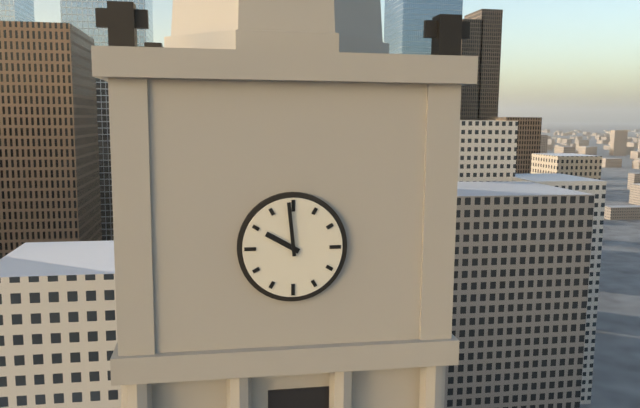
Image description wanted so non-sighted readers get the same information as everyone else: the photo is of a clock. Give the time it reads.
9:59
